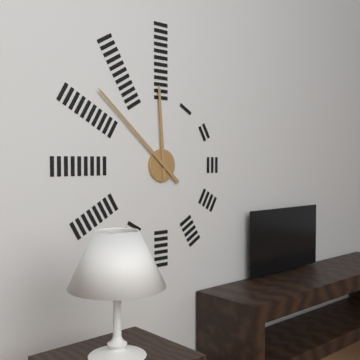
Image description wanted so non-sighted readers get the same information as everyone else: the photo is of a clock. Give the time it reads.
11:52
